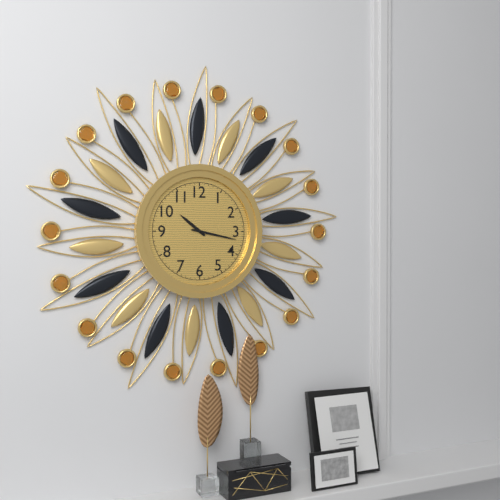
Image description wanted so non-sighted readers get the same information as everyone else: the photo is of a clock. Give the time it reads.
10:17
